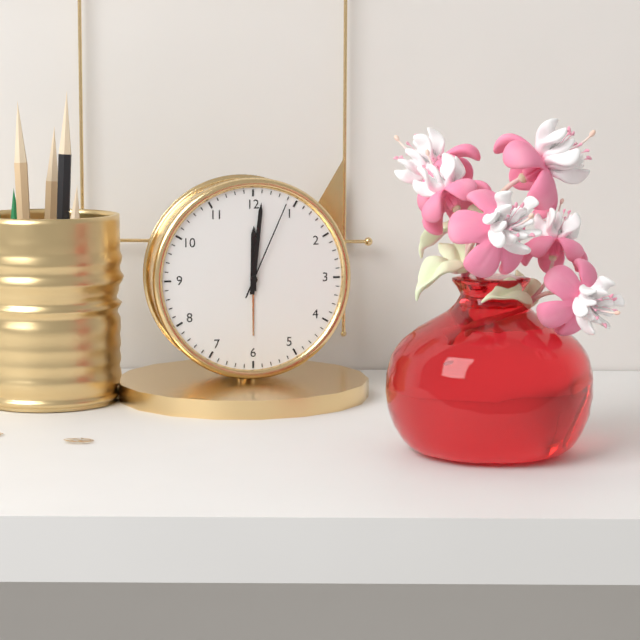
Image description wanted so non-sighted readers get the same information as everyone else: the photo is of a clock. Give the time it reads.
12:01:04
